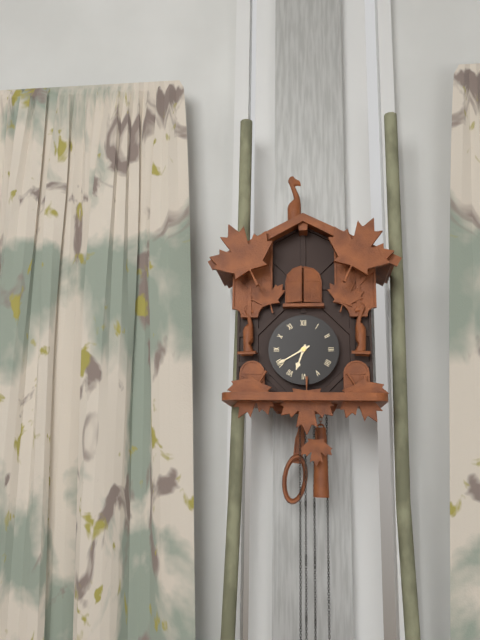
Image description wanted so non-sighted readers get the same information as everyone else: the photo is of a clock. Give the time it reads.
6:40
